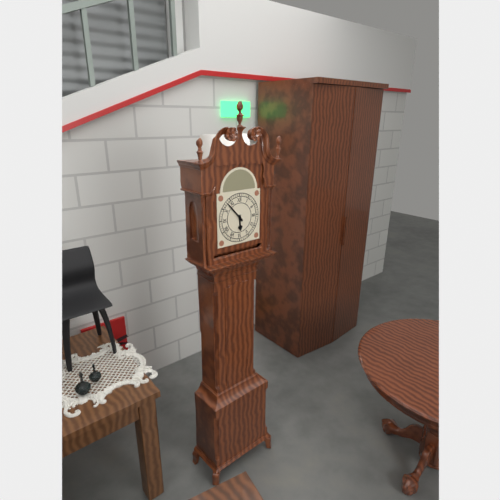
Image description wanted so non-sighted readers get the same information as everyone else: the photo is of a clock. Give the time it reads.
5:53
